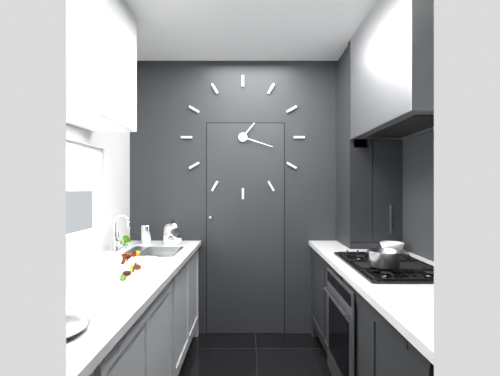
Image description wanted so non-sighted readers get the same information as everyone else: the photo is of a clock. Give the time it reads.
1:18
